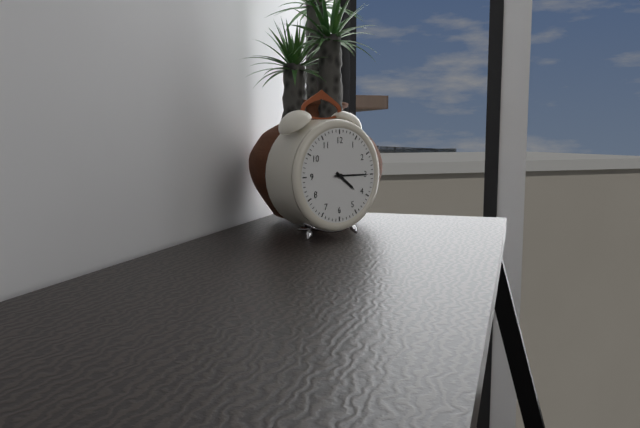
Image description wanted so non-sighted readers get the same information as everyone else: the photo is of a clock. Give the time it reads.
4:15
